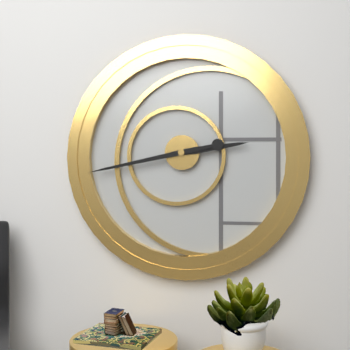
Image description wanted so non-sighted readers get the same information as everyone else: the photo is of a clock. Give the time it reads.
2:43
